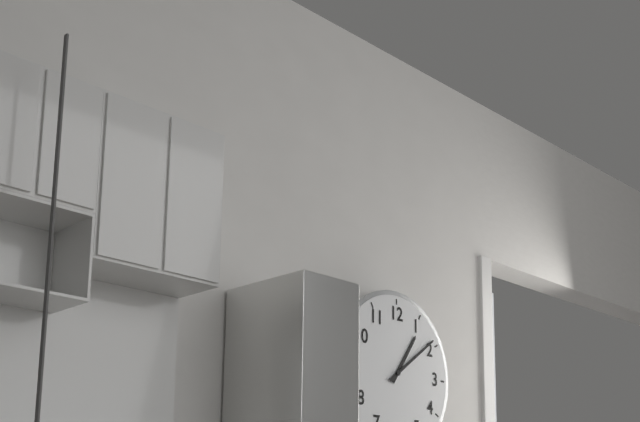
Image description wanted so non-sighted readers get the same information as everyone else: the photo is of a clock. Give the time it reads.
1:09
